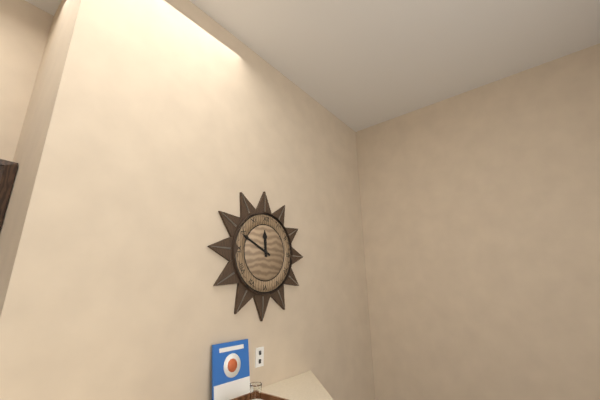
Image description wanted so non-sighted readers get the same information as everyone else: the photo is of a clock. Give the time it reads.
11:49
